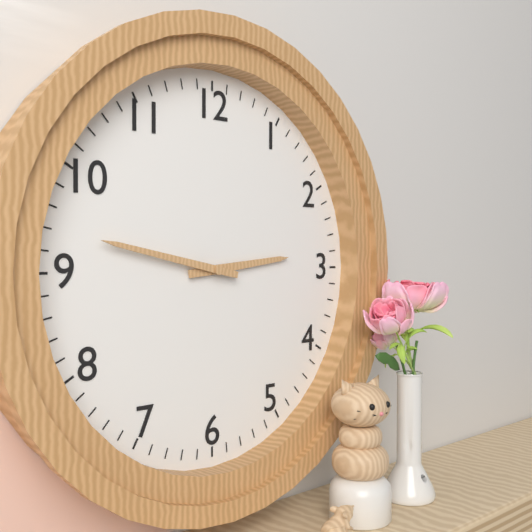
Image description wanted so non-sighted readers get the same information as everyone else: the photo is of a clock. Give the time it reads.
2:47
